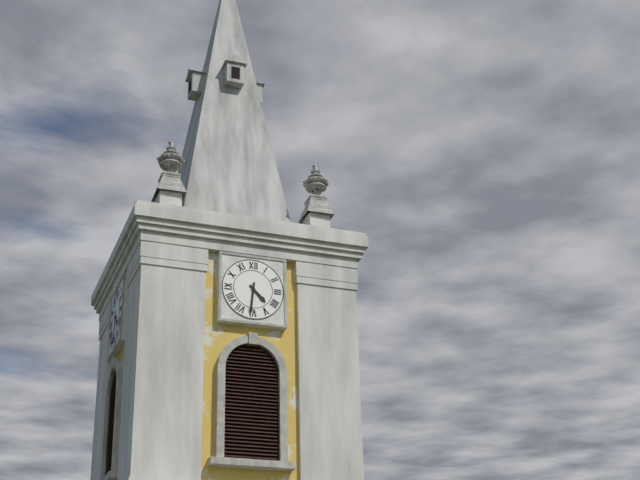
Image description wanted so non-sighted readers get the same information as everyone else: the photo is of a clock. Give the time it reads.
4:31
